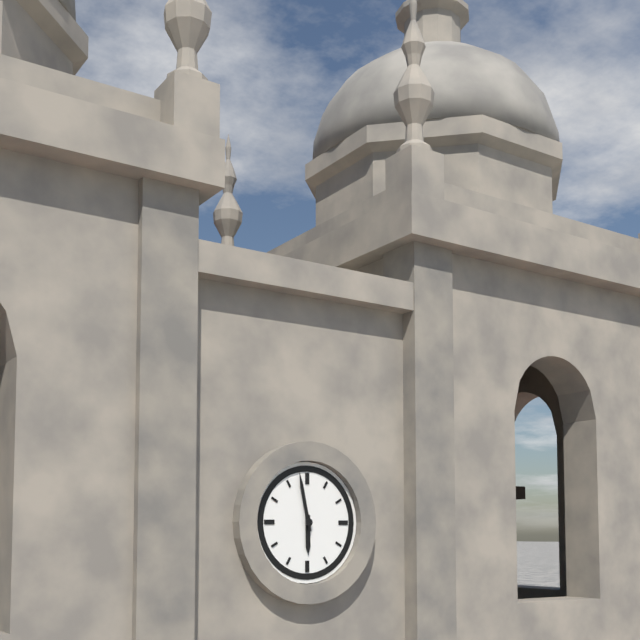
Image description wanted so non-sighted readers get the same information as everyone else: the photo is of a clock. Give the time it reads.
5:58
